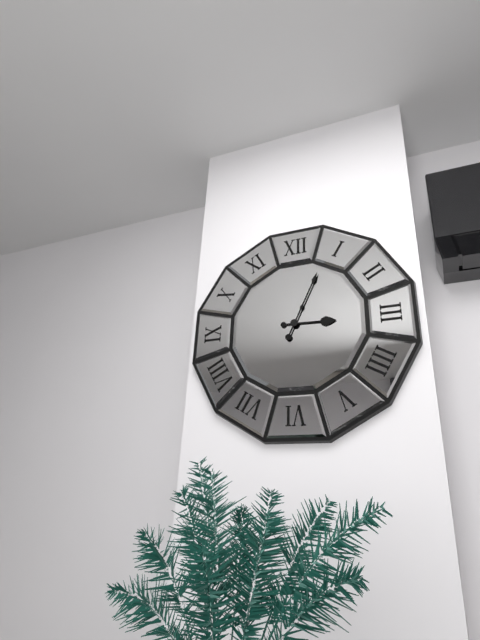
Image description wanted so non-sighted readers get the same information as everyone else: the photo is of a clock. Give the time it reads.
3:04
